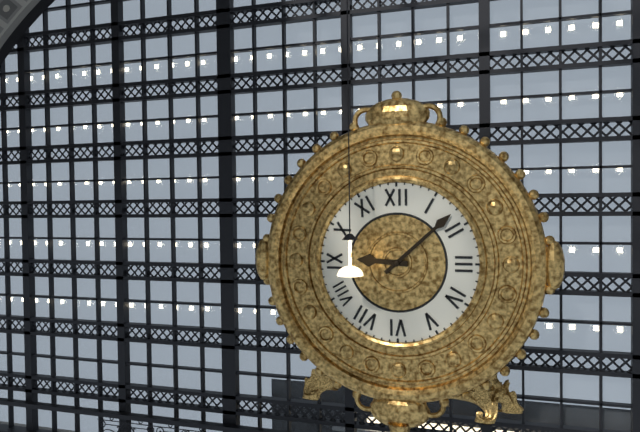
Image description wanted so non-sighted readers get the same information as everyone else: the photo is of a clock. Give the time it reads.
9:08
